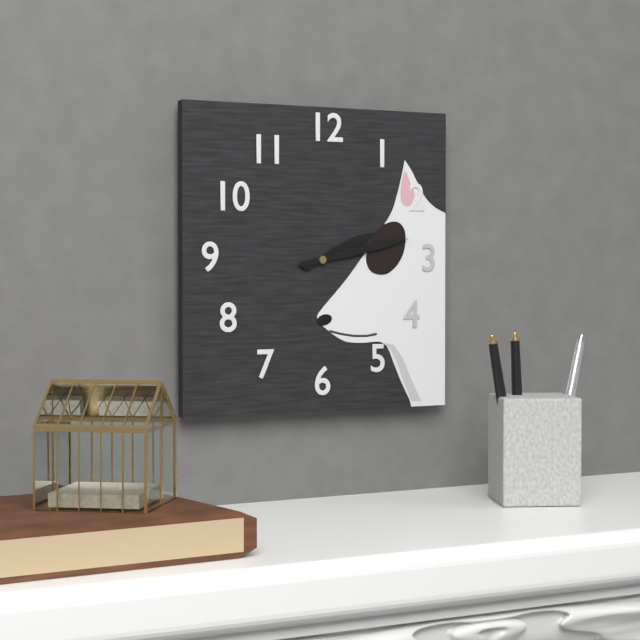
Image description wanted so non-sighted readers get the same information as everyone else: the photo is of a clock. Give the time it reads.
2:13
